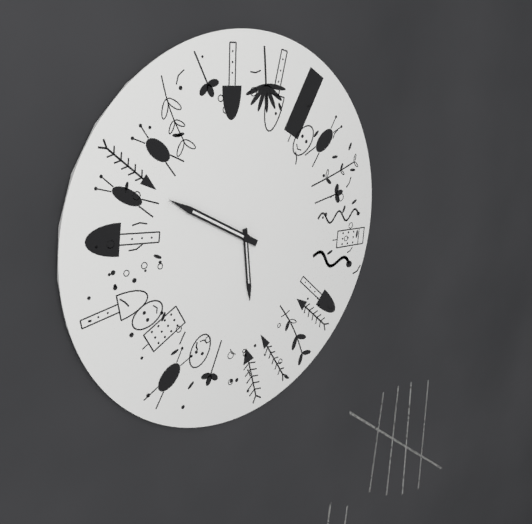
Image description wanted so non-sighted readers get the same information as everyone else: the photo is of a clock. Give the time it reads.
5:50
